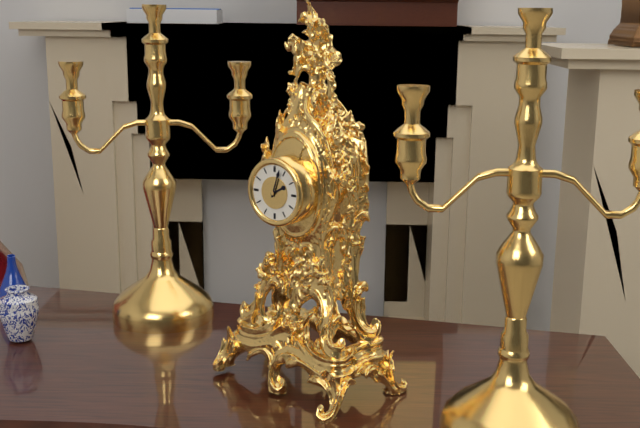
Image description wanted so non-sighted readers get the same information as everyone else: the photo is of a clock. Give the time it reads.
2:03
